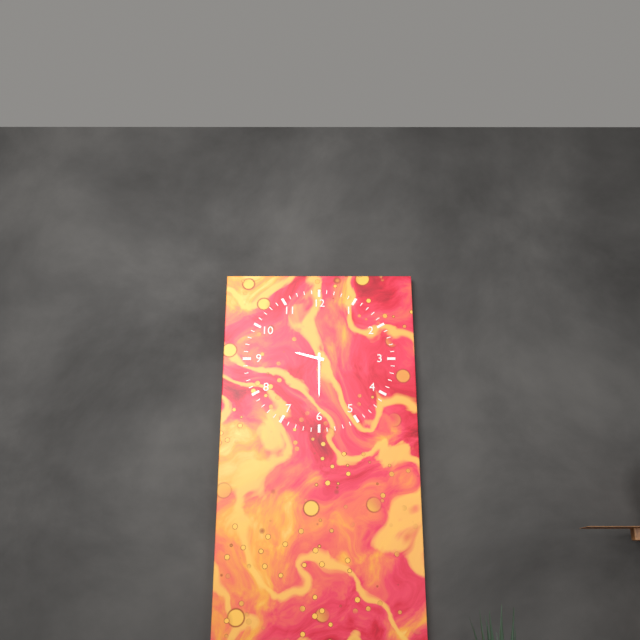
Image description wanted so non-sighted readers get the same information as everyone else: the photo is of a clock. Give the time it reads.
9:30
